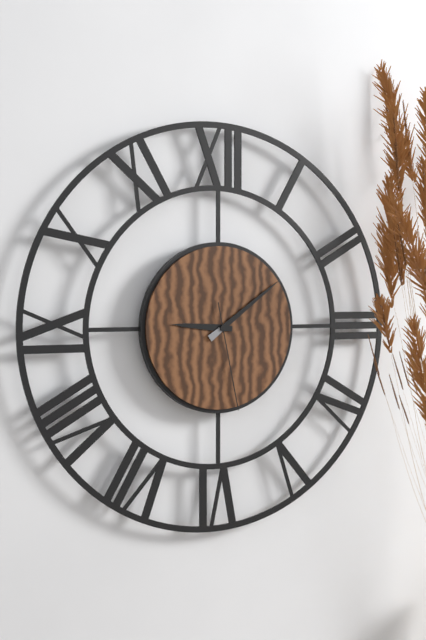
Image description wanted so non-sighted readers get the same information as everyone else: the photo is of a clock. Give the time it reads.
9:09:28
